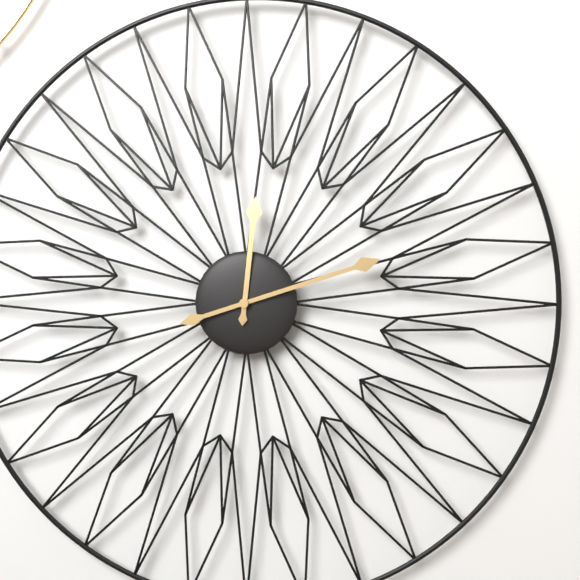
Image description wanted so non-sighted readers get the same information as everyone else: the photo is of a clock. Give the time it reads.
12:12
